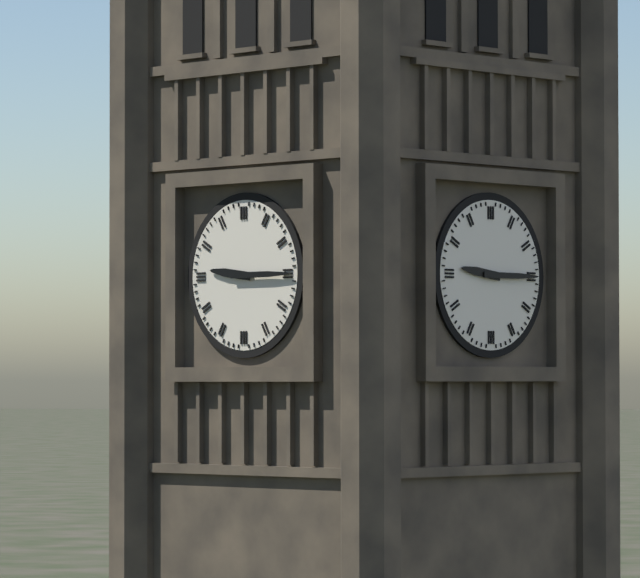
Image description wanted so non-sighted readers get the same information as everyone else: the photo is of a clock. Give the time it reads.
9:15
